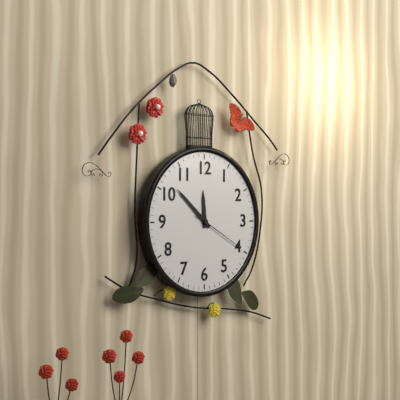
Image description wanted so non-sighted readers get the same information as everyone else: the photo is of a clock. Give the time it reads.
11:52:20
